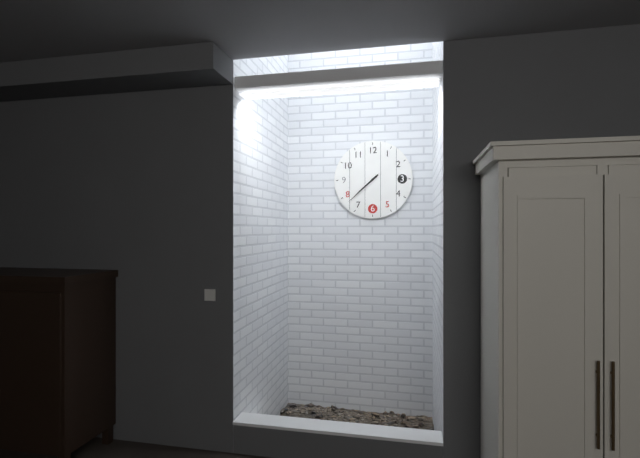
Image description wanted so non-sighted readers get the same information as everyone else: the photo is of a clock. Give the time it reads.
7:38
